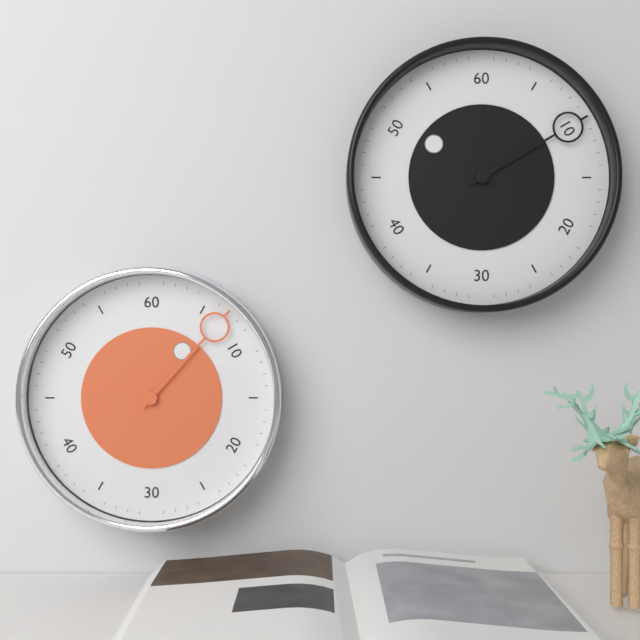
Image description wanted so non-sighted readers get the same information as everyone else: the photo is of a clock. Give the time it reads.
1:07
